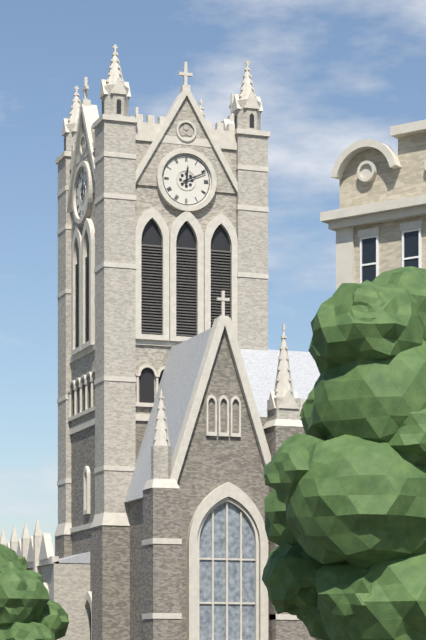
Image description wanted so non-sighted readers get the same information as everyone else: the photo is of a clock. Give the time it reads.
12:11
